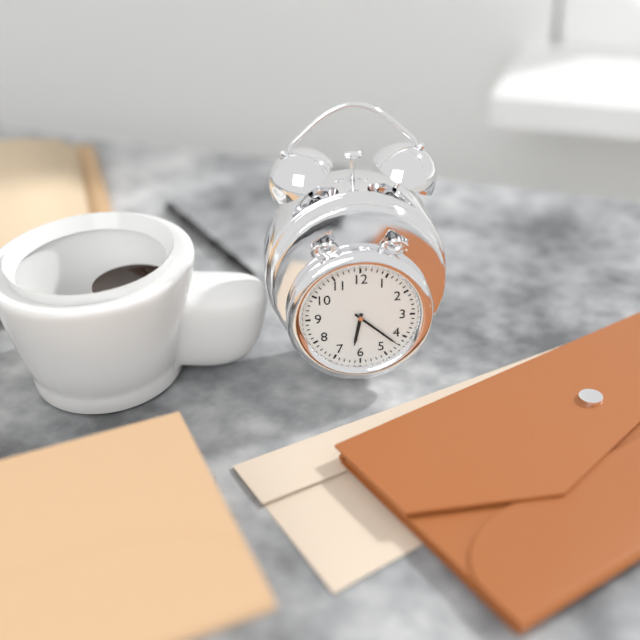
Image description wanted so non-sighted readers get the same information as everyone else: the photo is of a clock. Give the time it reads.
6:22
